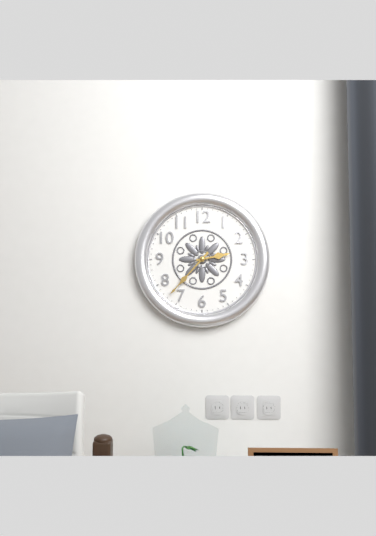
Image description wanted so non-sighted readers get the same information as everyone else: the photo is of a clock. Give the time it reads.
2:37
